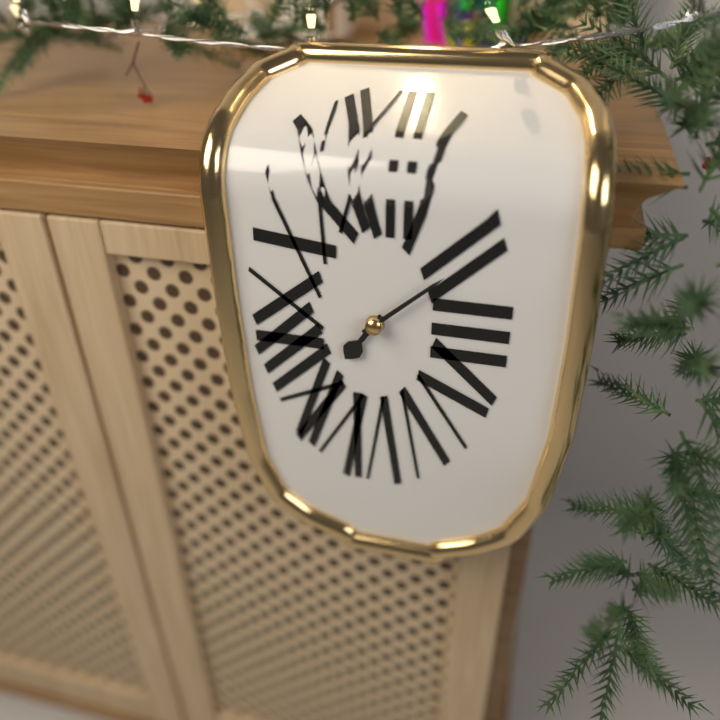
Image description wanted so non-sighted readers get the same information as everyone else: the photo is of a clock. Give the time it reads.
7:08
